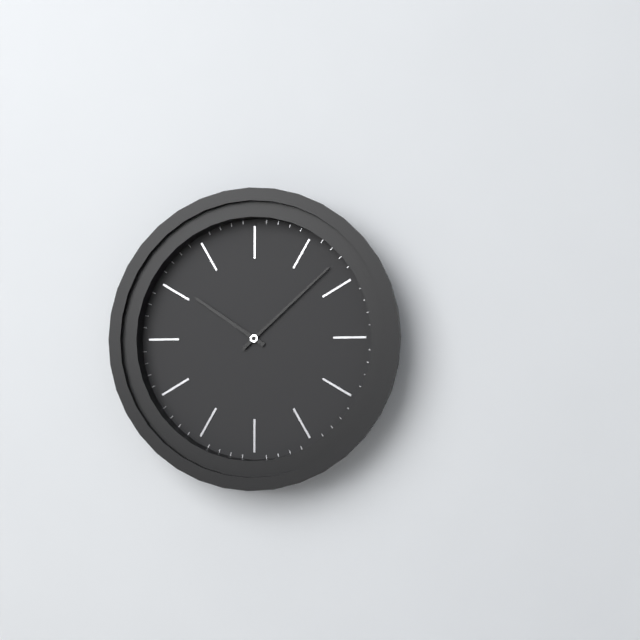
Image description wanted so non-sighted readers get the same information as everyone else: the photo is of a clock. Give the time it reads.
10:08
